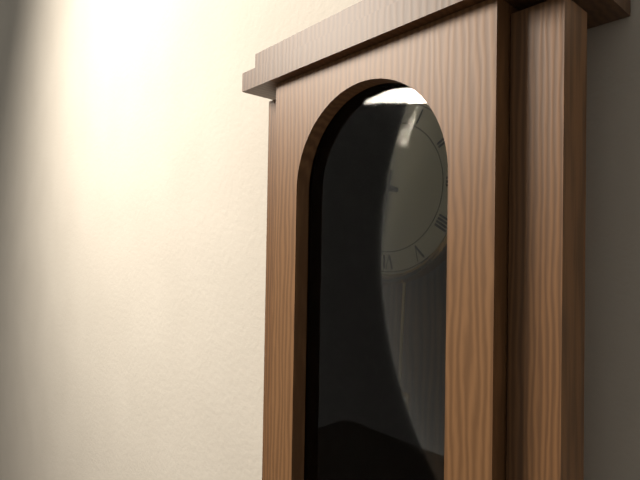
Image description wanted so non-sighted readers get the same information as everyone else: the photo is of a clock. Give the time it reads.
9:32
